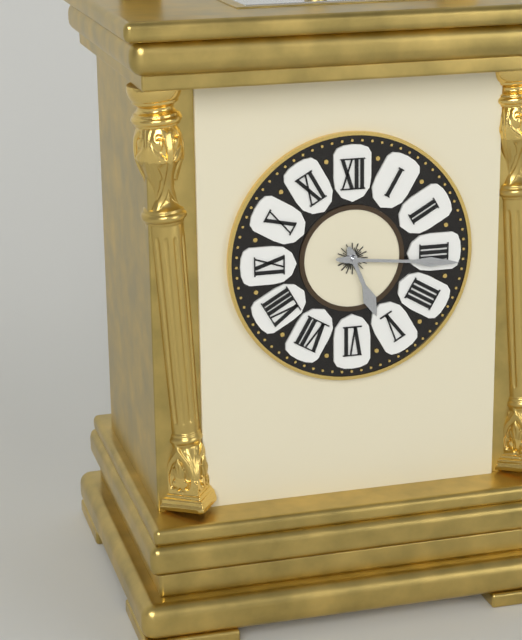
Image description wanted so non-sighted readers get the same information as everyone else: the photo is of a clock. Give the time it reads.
5:16
